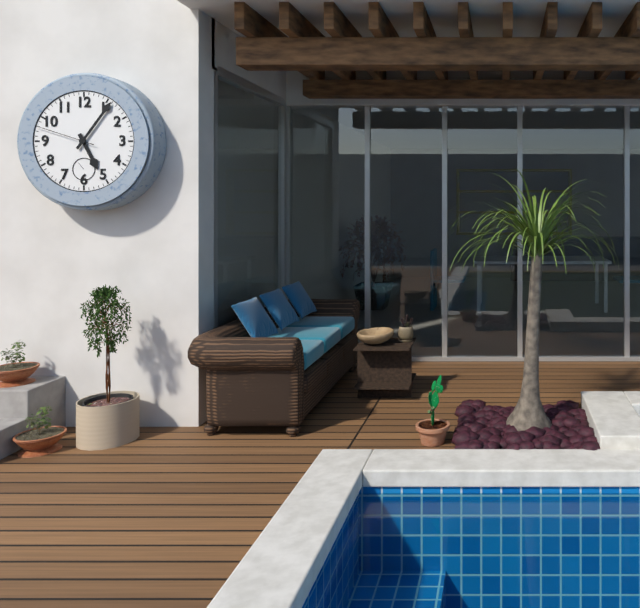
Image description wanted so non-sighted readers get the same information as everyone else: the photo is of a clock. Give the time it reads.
5:06:48
